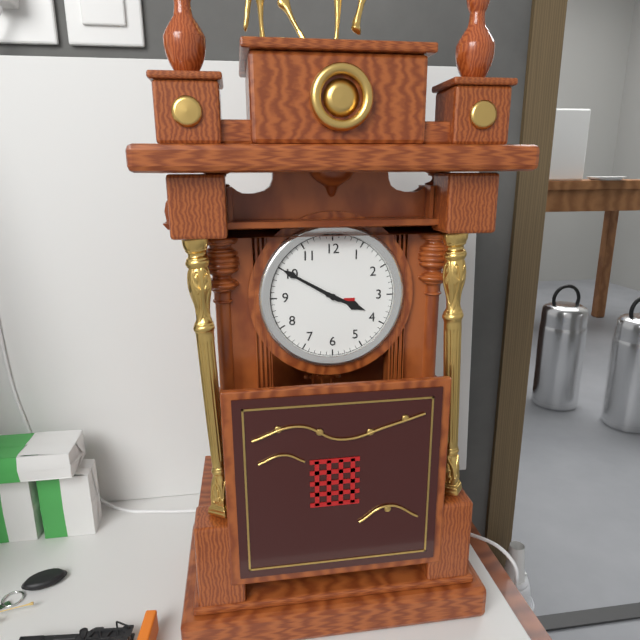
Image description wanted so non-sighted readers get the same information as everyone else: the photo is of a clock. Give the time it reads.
3:50
